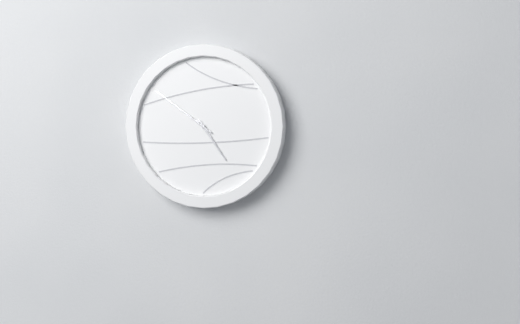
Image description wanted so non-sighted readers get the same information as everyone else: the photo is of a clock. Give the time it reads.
4:51
